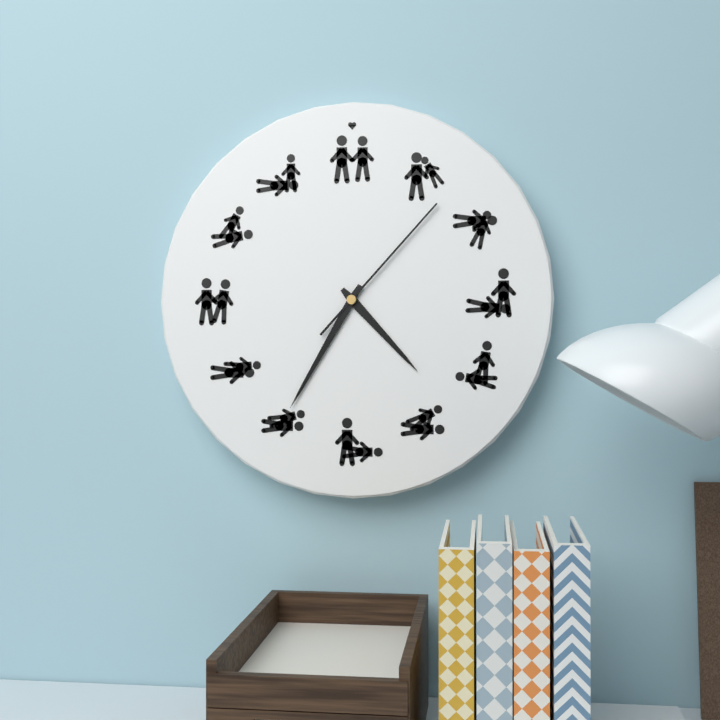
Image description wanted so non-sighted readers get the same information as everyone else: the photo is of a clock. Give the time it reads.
4:35:07
